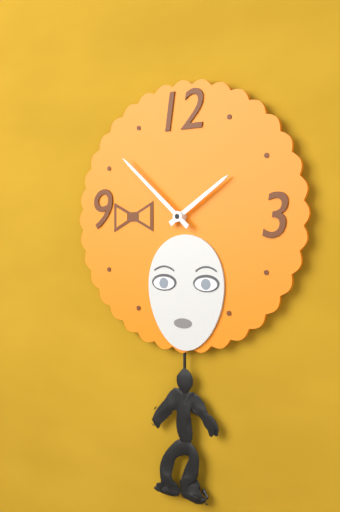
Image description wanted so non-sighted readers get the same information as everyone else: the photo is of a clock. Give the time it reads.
1:52
